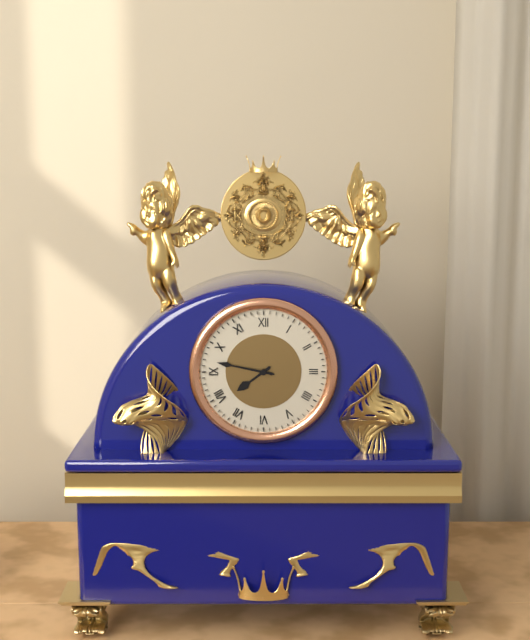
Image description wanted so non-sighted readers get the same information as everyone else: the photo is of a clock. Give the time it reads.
7:47
